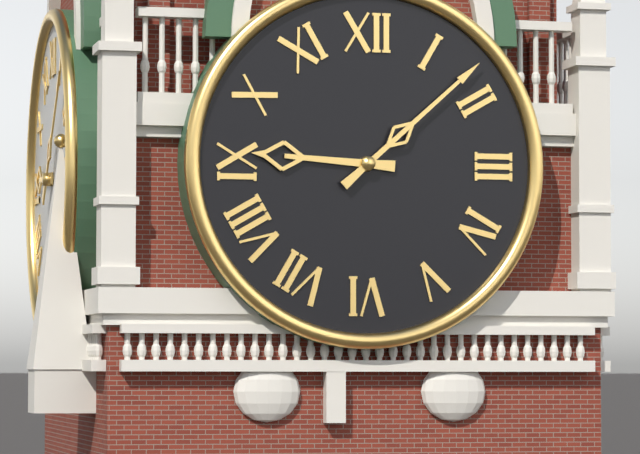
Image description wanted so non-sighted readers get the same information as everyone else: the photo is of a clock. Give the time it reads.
9:08
